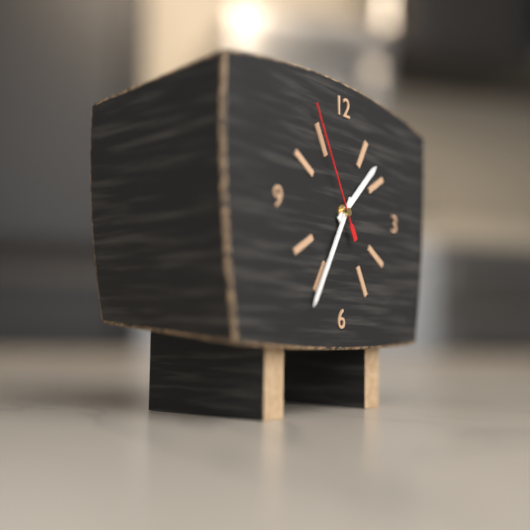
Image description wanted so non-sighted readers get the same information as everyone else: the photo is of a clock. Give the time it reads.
1:35:55
